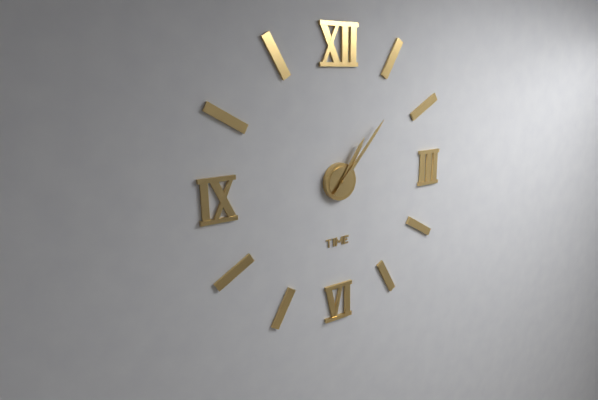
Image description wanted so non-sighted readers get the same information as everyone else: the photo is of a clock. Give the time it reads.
1:07
